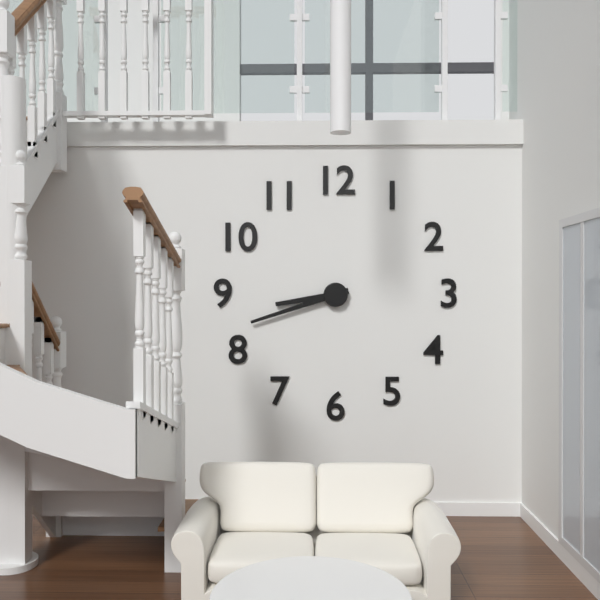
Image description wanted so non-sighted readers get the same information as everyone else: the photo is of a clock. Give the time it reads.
8:42
